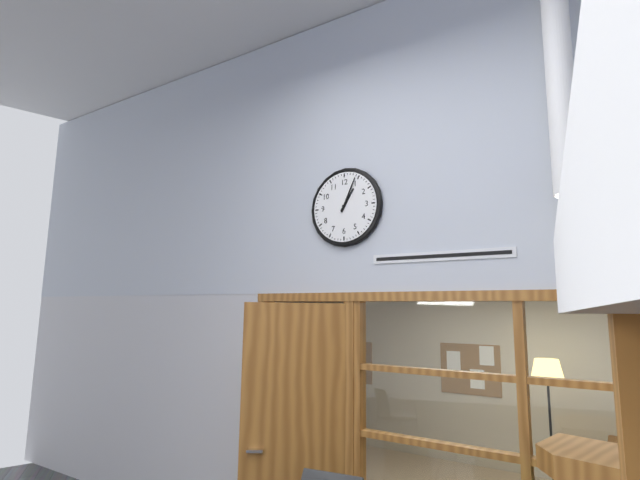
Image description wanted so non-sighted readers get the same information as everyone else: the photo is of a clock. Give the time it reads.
1:04
